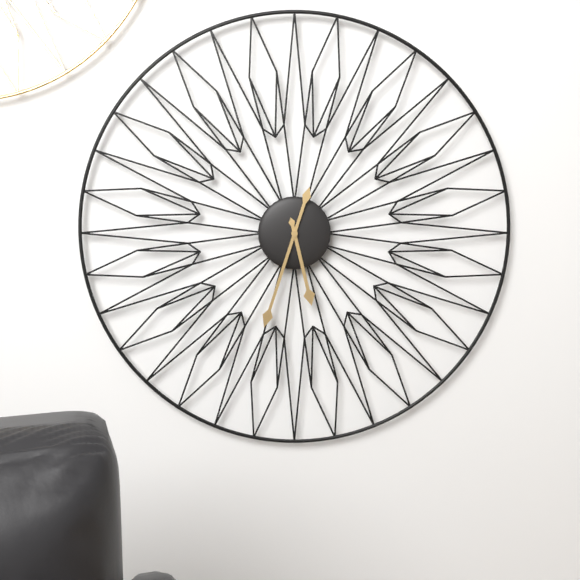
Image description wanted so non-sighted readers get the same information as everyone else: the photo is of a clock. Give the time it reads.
5:33
